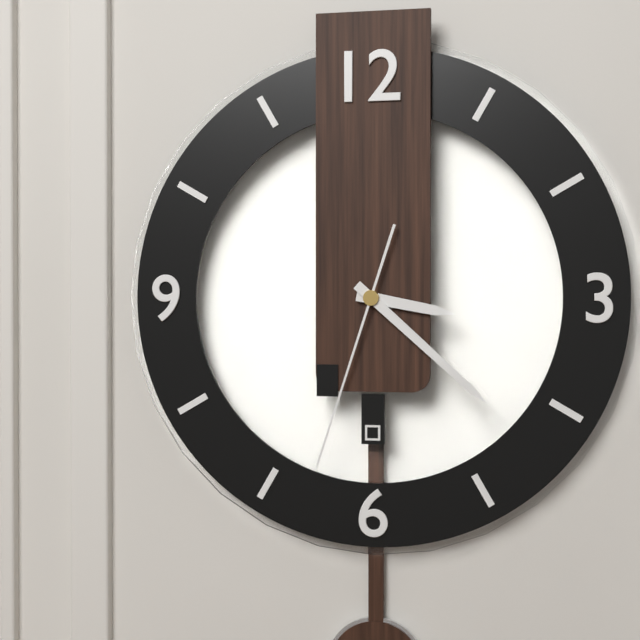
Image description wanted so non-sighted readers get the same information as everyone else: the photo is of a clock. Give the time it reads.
3:22:33
